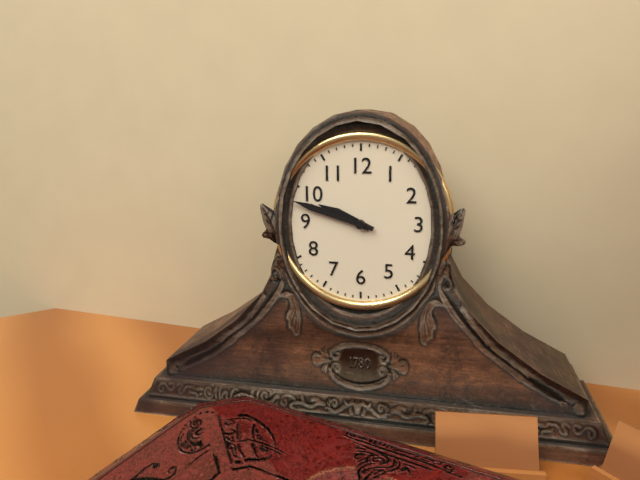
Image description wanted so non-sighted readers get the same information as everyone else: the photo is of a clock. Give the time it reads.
9:48
